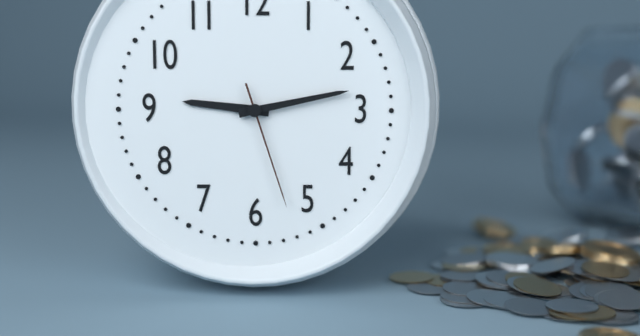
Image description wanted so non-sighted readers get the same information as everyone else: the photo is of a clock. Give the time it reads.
9:13:27
